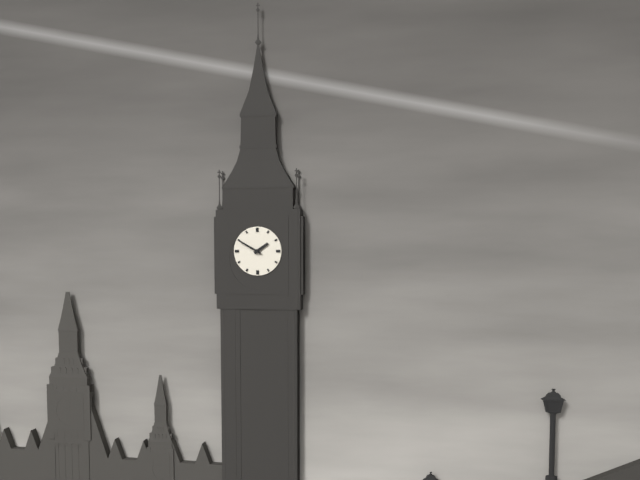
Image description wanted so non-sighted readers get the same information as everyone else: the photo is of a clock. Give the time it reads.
1:50
